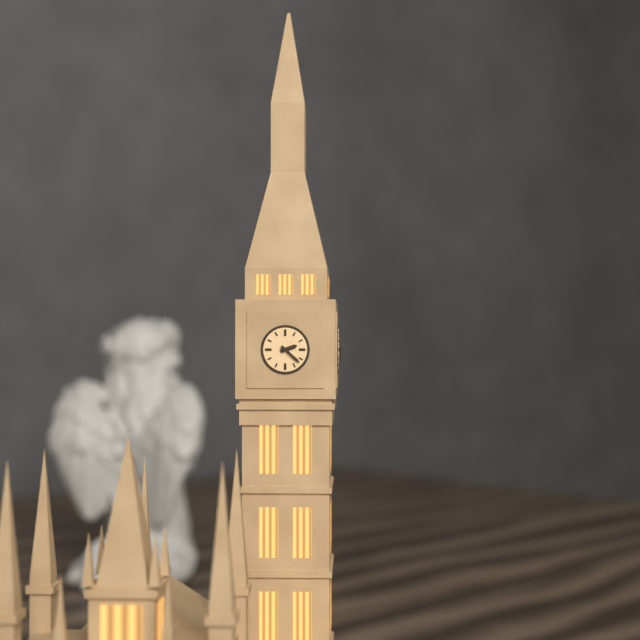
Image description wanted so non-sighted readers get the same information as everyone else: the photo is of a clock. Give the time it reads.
2:22
